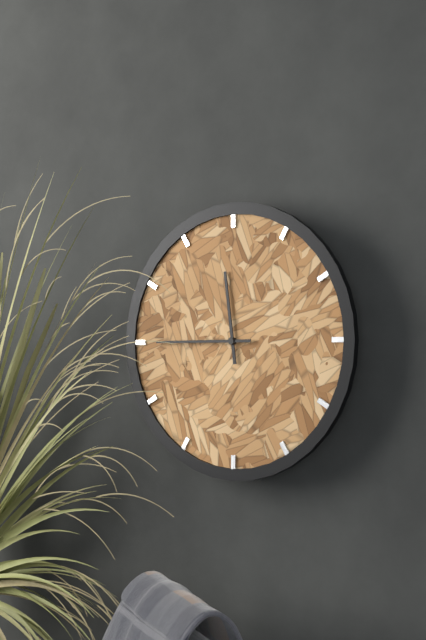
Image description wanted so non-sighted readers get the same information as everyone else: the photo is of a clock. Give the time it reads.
11:45
